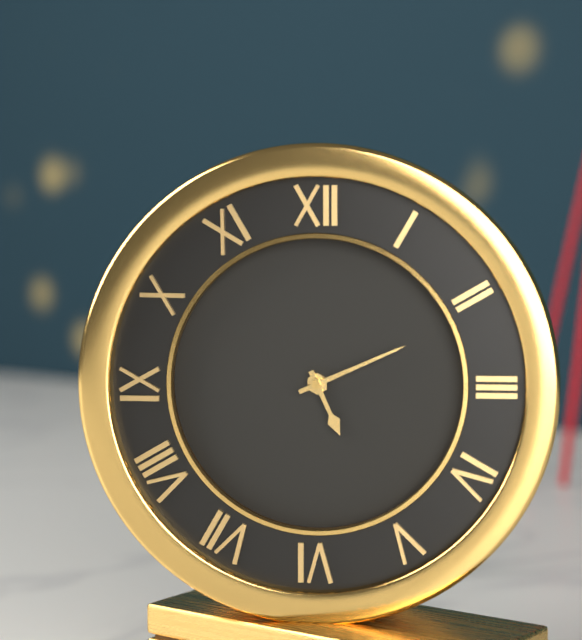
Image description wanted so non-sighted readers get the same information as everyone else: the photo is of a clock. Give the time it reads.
5:11
